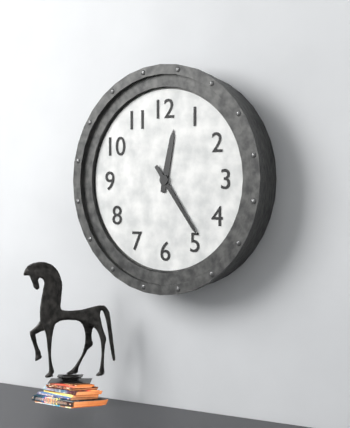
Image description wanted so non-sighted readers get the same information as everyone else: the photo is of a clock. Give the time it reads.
12:24
